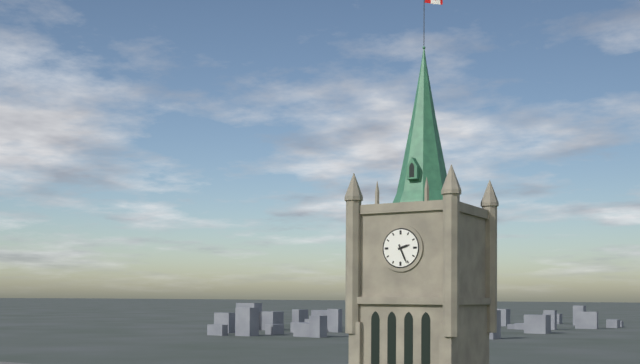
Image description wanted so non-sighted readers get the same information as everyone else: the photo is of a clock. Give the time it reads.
2:26
